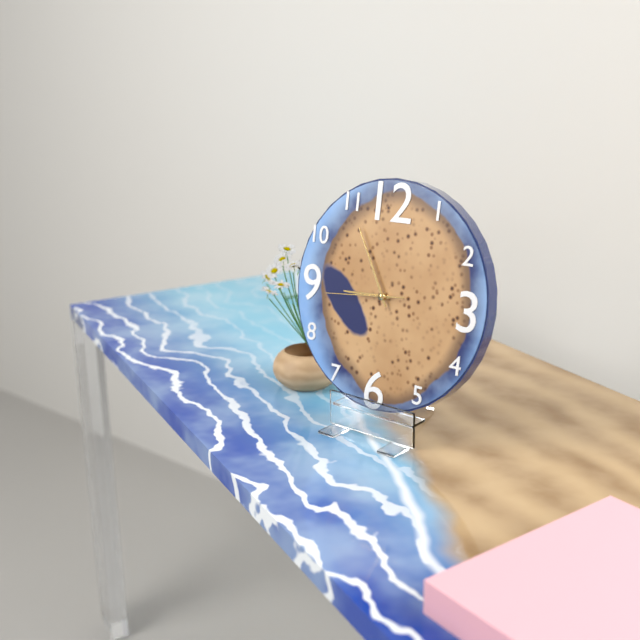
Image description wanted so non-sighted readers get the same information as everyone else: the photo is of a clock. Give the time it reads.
8:55:44
